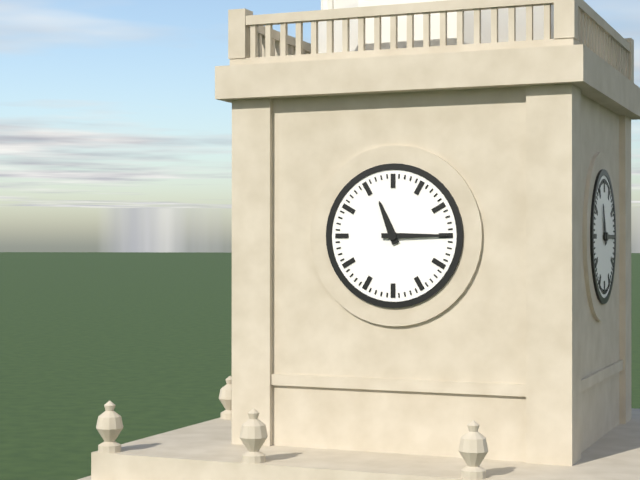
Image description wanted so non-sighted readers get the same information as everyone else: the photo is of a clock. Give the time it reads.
11:15
